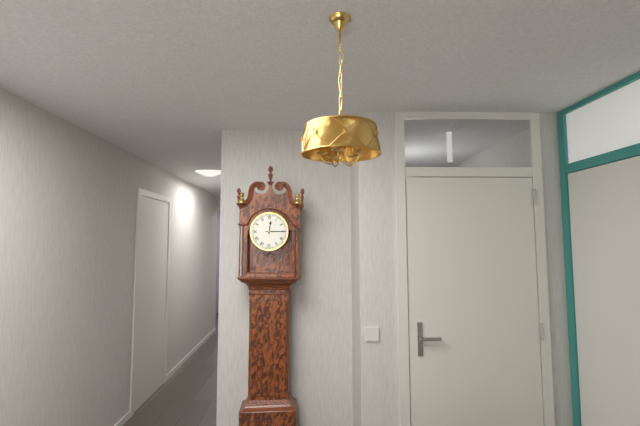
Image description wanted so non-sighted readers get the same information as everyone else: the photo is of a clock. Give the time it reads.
12:15
